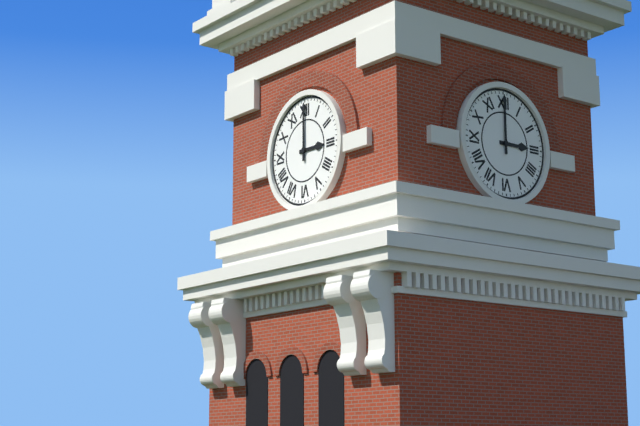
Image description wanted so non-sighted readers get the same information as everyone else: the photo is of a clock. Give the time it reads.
3:00
